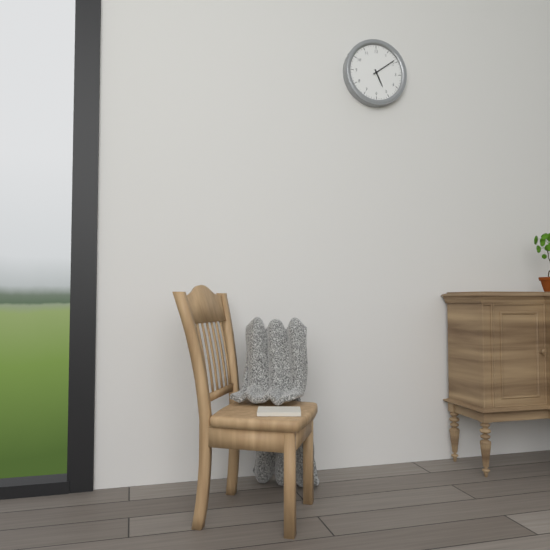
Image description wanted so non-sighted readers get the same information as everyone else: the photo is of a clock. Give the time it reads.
5:09
